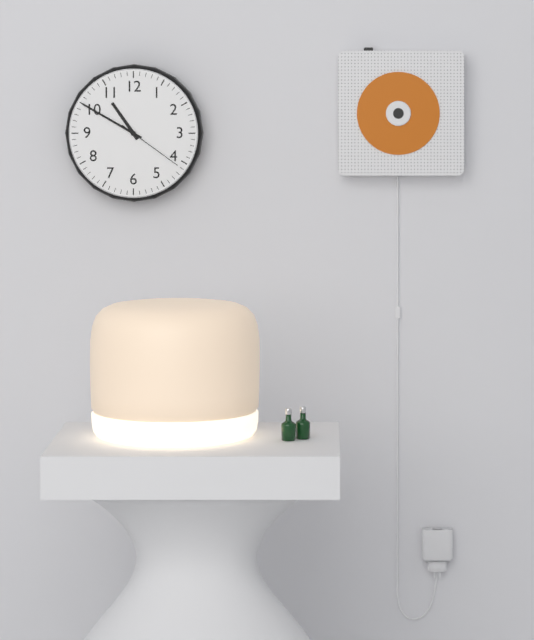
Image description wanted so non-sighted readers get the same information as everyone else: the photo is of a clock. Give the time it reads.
10:50:21
